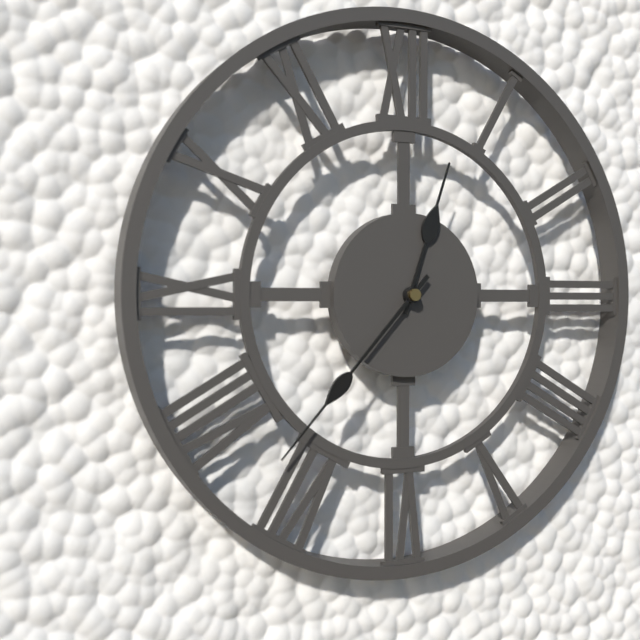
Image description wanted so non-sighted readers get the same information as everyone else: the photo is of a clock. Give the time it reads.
12:37
